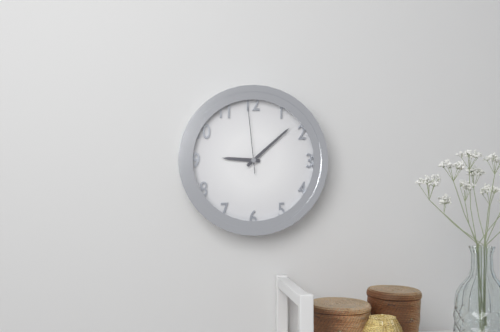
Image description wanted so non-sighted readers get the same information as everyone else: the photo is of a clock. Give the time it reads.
9:08:59
